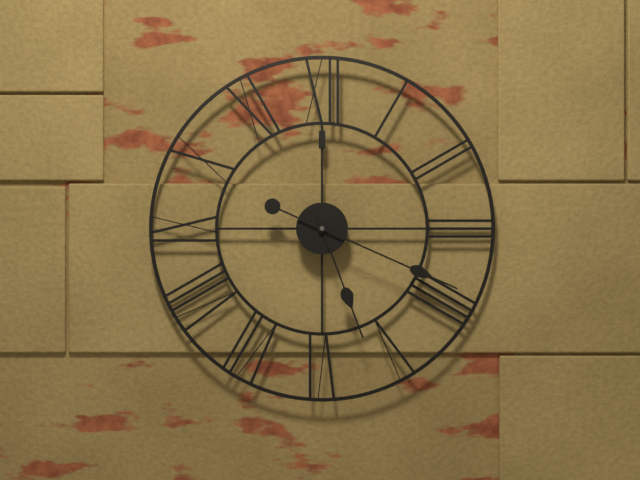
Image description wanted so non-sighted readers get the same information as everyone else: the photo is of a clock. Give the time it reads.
5:19
